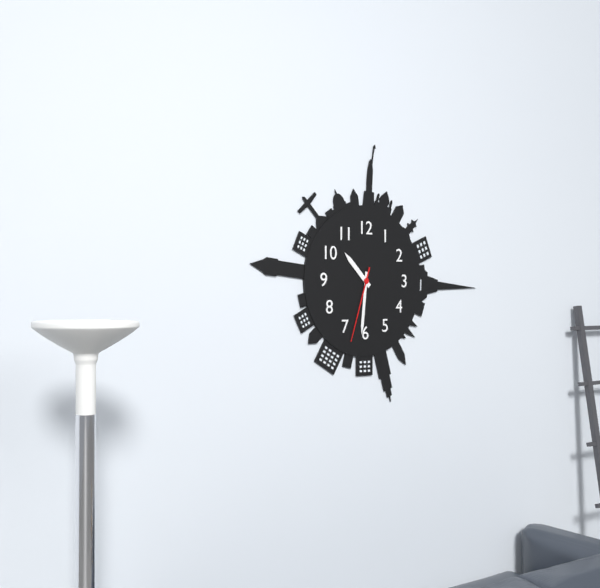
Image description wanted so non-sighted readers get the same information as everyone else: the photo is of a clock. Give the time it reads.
10:31:33
